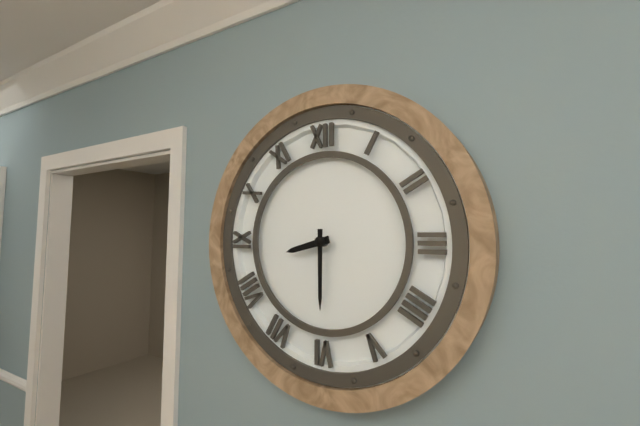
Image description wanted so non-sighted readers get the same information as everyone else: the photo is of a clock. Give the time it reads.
8:30
